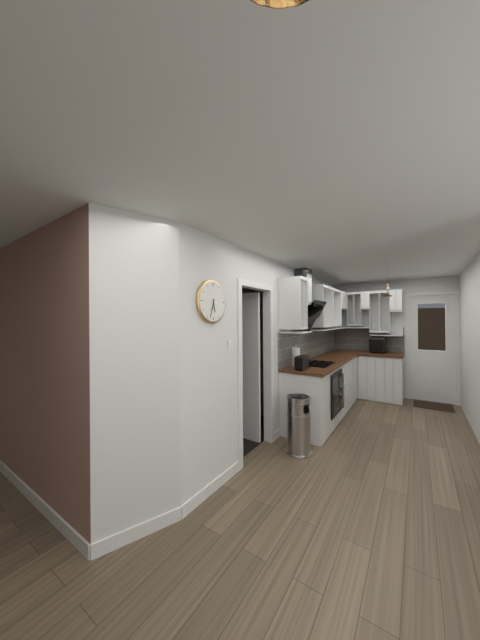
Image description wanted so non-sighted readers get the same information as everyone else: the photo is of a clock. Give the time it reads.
5:33
